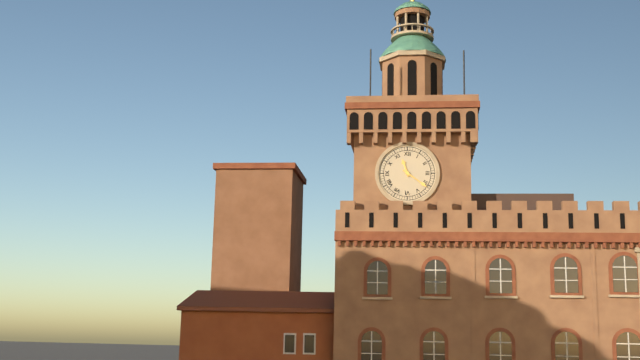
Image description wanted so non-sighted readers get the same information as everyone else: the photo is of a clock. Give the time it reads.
11:21
